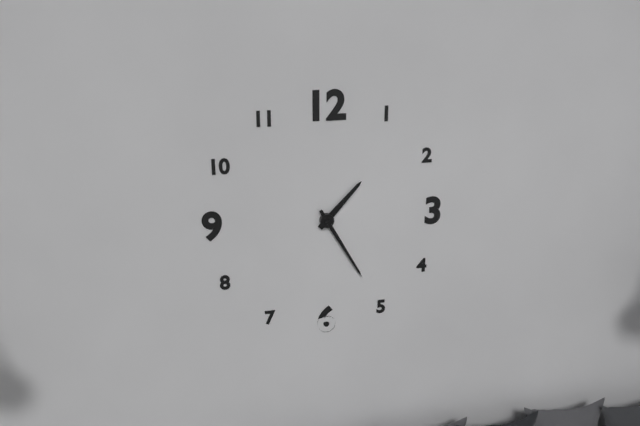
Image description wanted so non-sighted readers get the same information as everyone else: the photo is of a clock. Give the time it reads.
1:25
